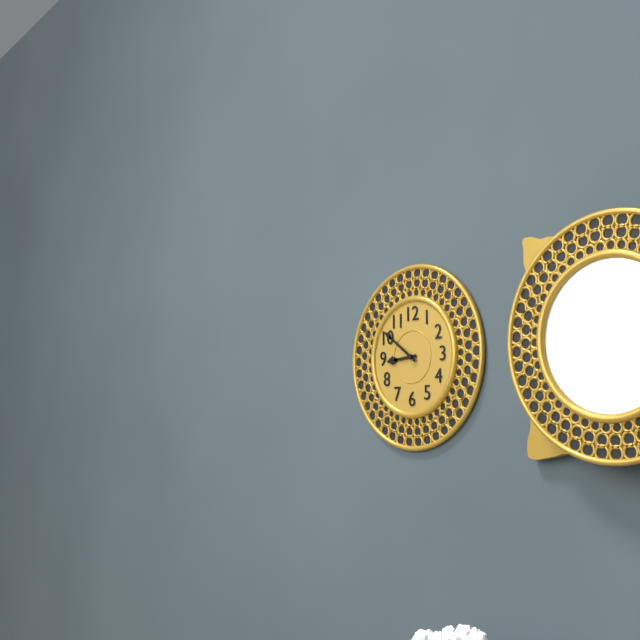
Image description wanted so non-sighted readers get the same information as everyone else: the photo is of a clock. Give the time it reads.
8:51
